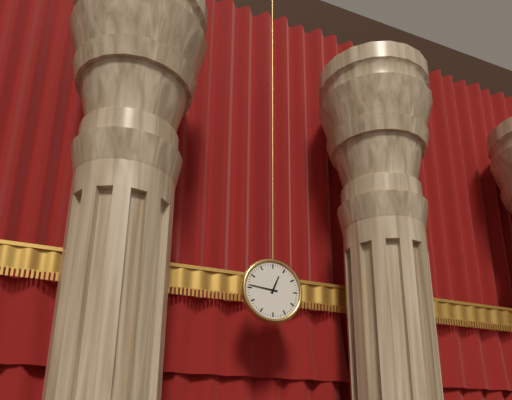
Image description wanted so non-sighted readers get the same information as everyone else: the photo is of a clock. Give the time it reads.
12:46
